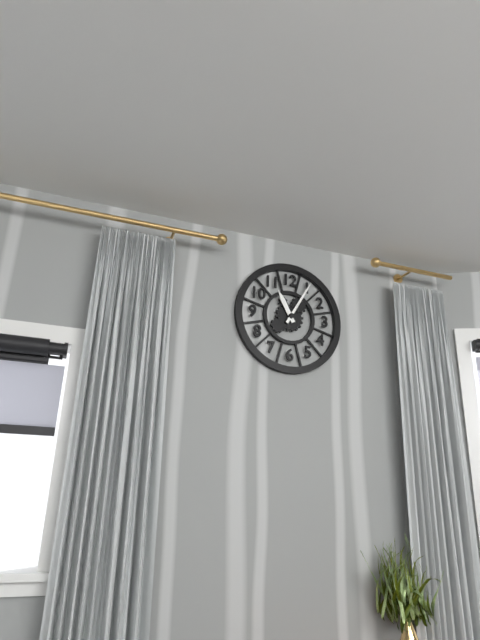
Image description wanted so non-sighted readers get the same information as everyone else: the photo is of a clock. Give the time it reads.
11:05
